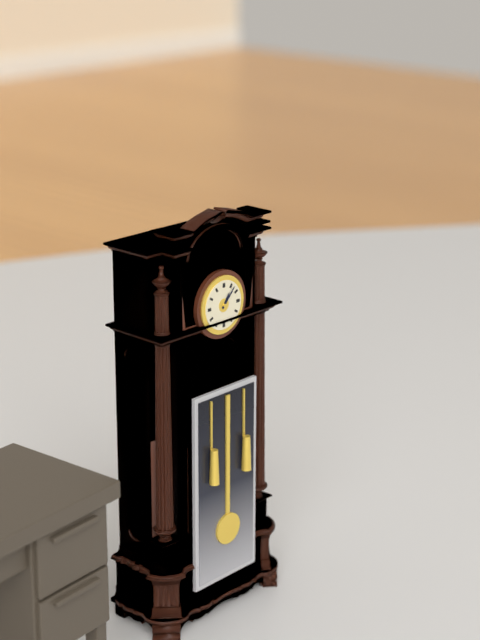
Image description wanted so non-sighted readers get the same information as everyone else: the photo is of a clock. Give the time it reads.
1:07
